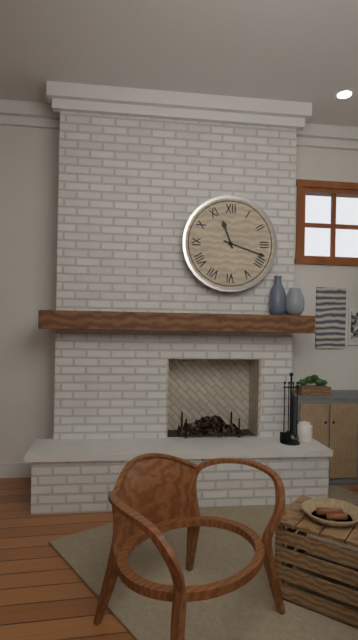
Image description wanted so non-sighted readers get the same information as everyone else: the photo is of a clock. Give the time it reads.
11:18
